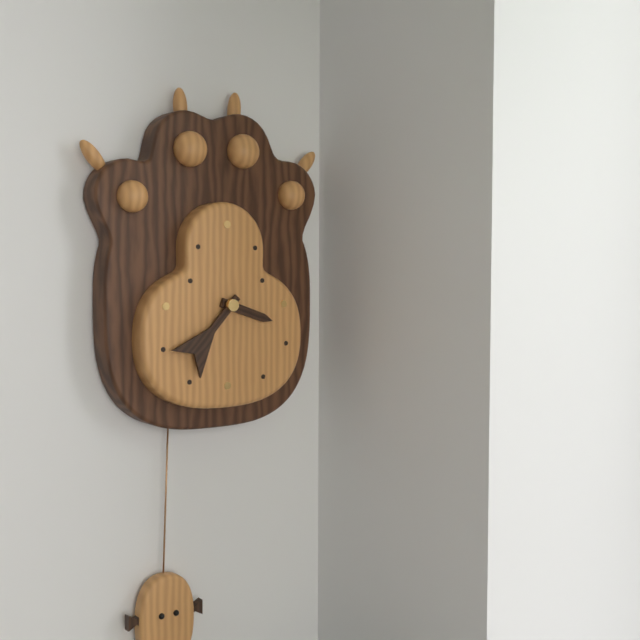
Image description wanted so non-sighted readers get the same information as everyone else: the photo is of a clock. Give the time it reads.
3:37
